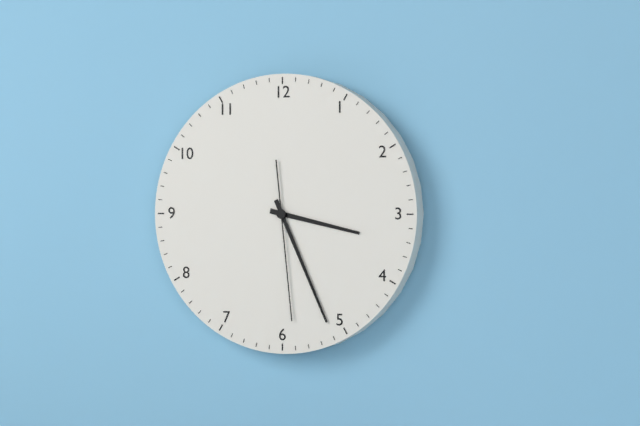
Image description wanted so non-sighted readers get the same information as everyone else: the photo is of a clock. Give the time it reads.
3:26:29
